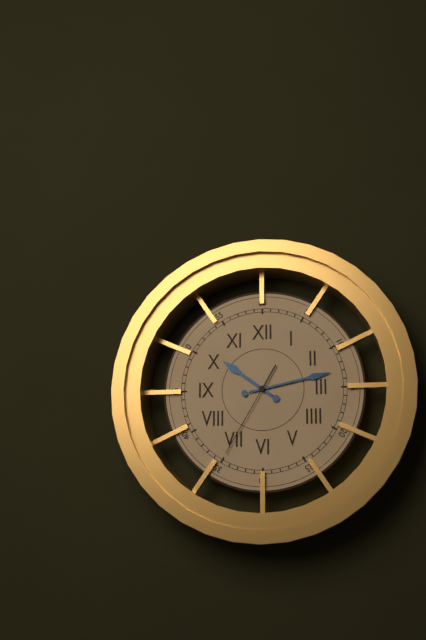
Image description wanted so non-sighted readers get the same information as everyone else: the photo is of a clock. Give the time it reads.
10:13:35
